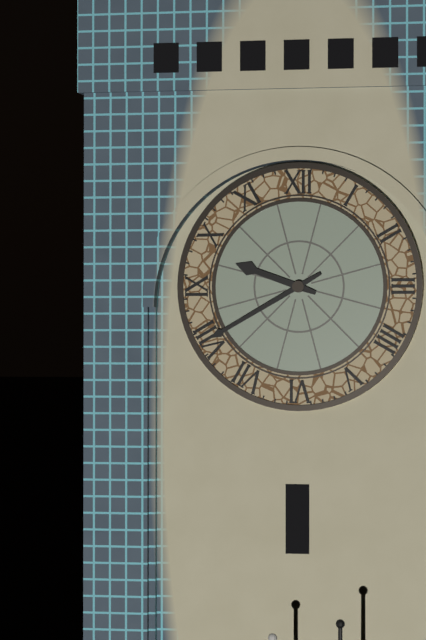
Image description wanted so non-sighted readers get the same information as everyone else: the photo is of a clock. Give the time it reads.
9:40
